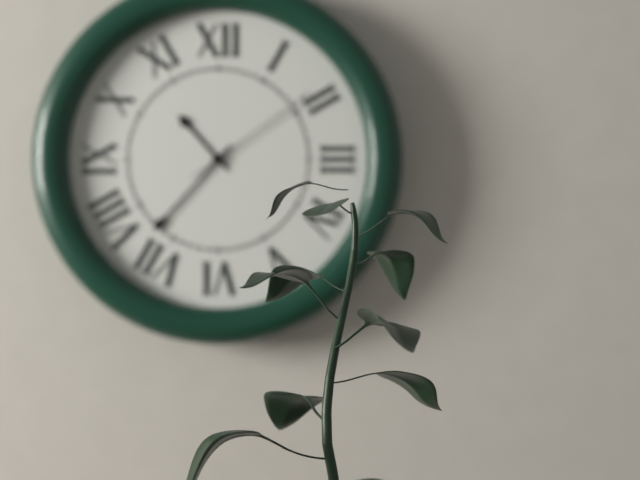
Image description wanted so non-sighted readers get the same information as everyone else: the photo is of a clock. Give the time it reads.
10:37:09
